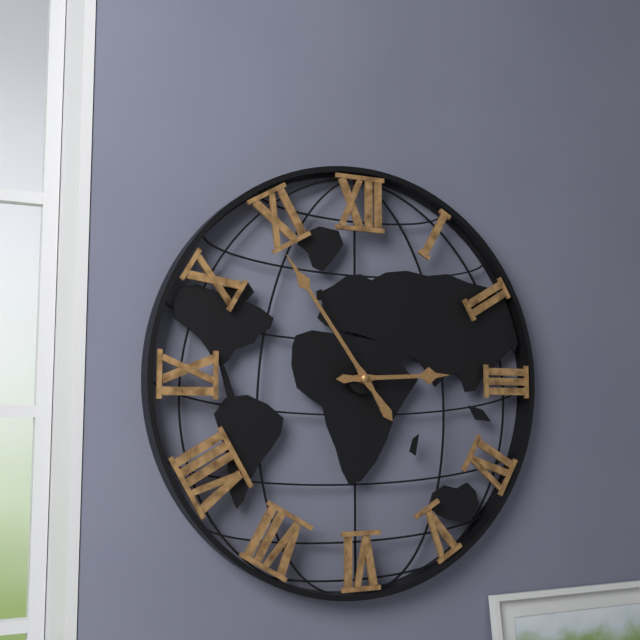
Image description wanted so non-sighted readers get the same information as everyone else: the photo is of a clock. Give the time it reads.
2:54
